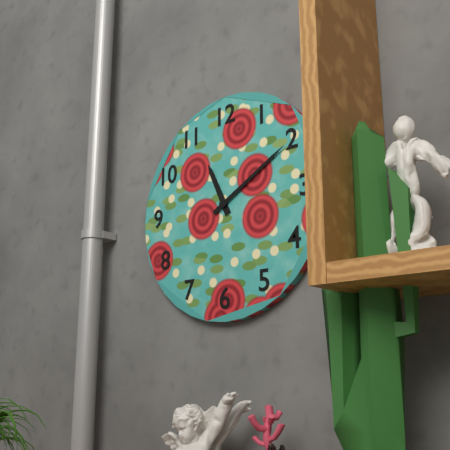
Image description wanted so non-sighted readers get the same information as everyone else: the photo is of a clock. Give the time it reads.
11:10
